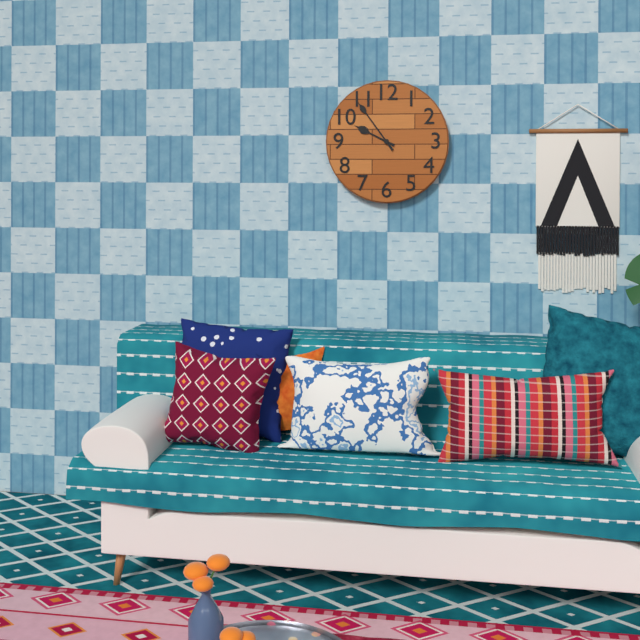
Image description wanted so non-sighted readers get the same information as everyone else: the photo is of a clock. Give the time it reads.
9:54
